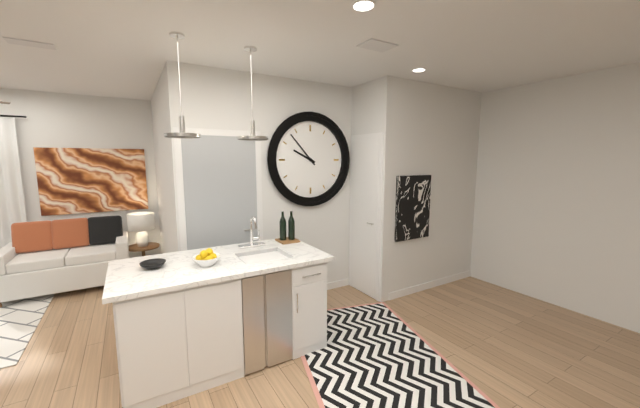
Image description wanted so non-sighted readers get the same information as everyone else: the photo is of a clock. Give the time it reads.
9:53
